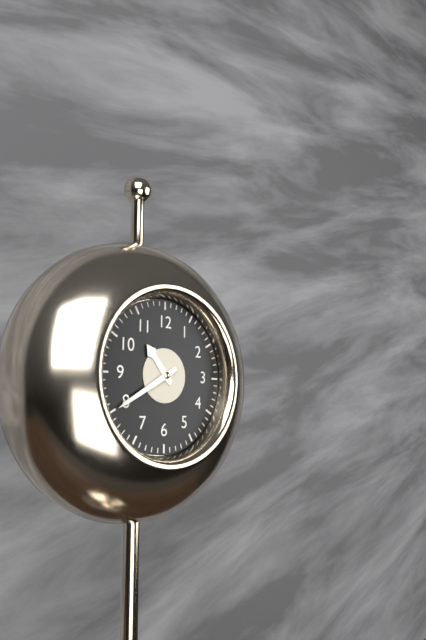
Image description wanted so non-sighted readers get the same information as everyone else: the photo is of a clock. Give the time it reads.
10:40
